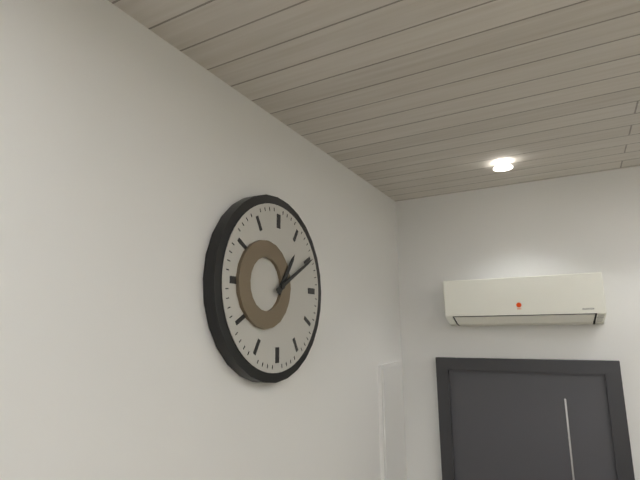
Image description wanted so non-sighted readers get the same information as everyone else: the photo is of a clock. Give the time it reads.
1:10
